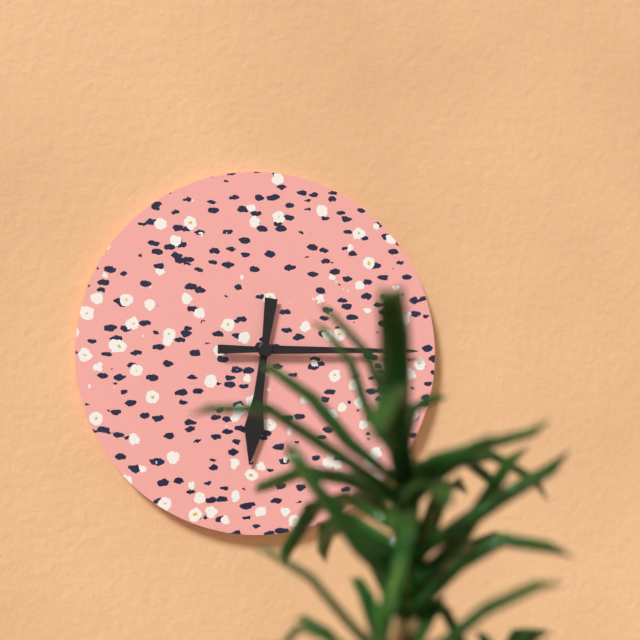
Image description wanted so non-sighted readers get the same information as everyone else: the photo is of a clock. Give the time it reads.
6:15
